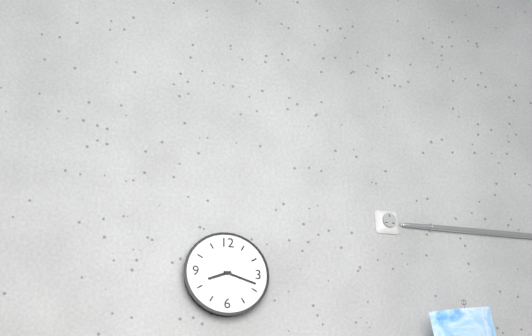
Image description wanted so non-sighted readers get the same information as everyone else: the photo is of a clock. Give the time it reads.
8:18
